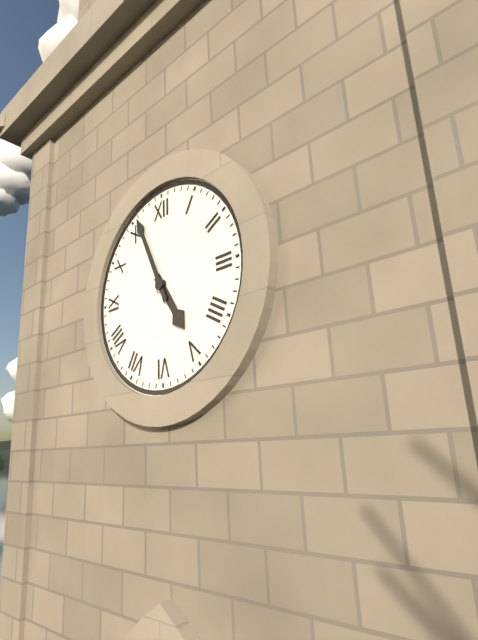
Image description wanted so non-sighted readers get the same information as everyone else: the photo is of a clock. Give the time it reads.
4:56
